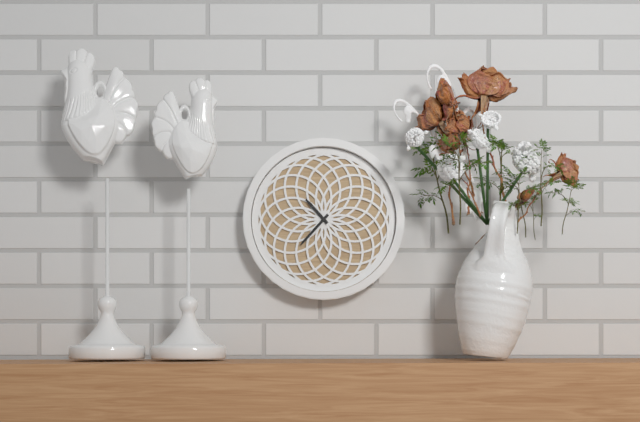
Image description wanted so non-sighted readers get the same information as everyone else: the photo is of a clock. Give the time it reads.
10:37
